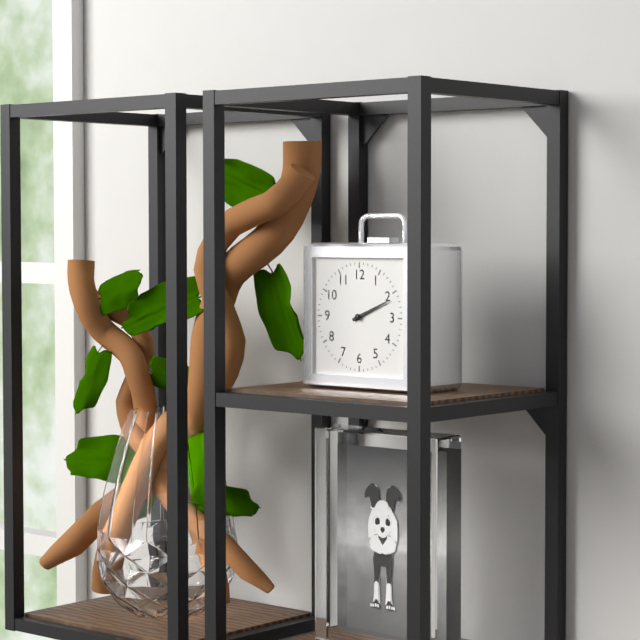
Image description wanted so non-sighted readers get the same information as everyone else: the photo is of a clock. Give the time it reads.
2:11
